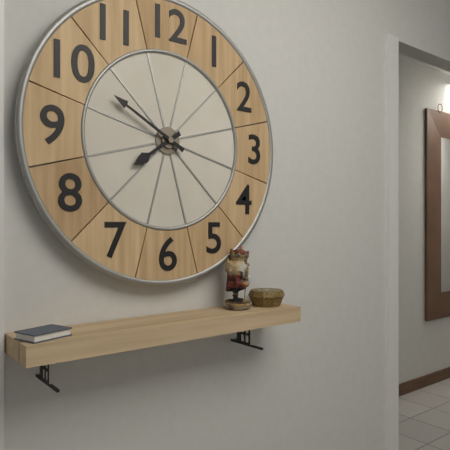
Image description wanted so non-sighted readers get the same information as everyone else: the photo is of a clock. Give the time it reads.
7:50
